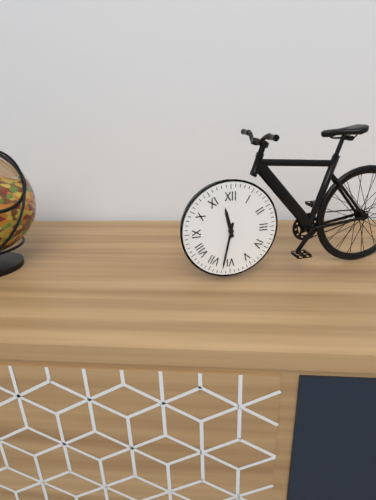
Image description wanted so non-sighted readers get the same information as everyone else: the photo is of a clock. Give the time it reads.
11:32
